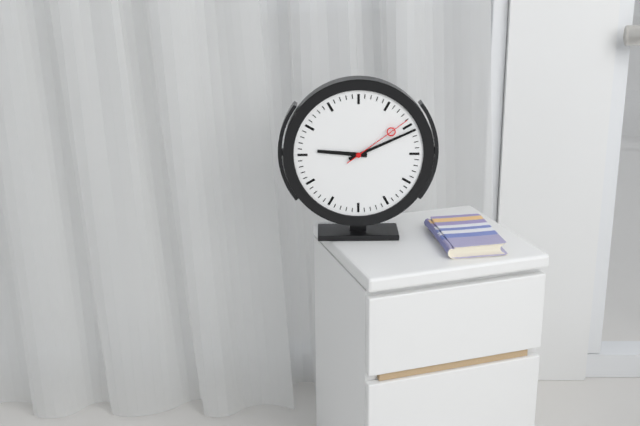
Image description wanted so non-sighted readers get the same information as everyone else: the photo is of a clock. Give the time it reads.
9:11:09
